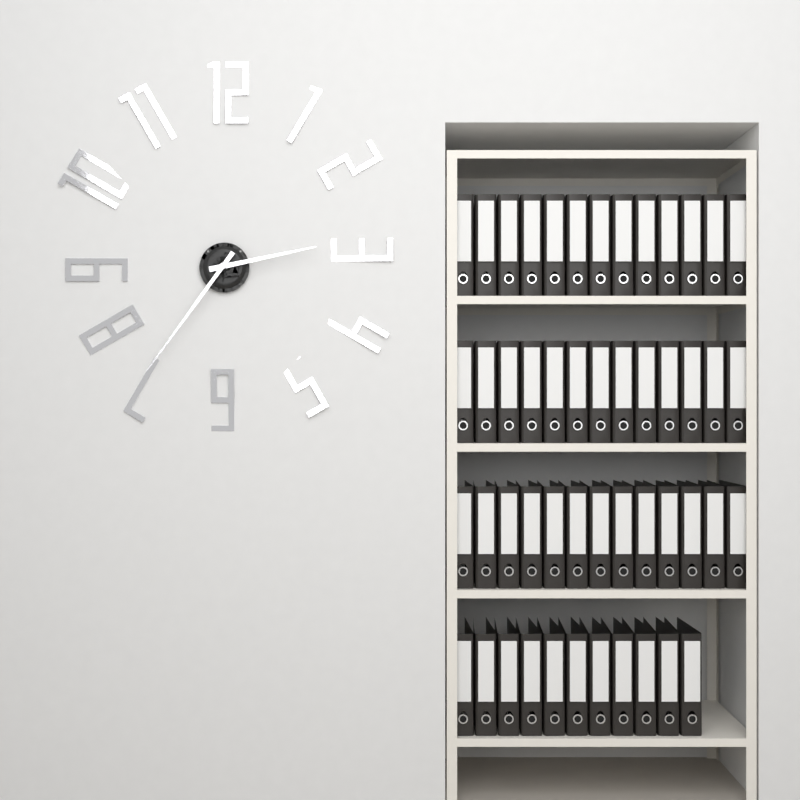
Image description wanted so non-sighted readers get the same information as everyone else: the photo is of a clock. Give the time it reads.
2:36
